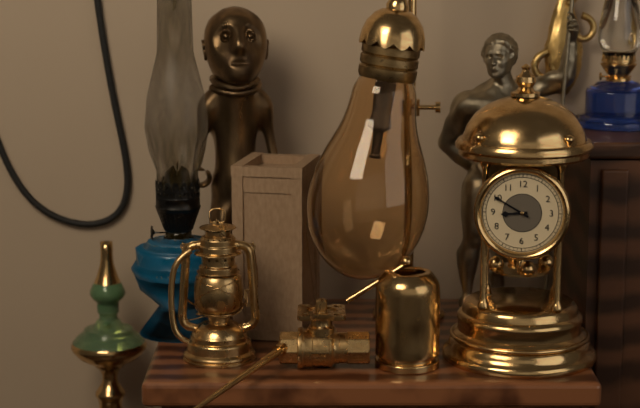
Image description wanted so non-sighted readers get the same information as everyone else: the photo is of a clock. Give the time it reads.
8:50
